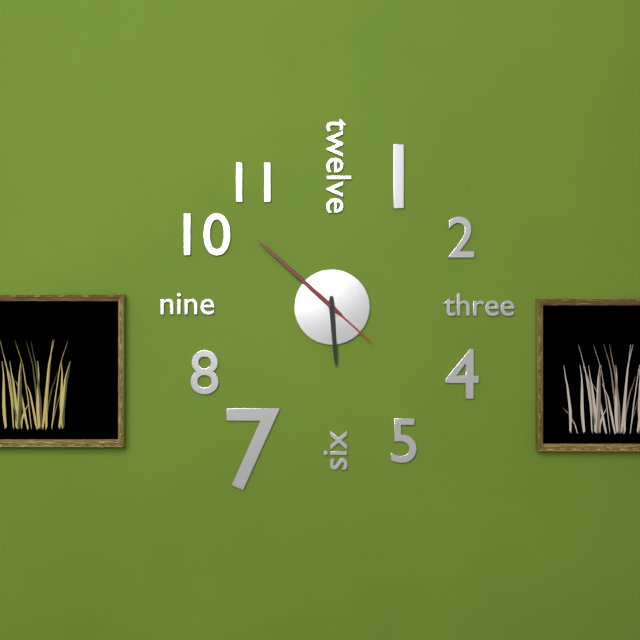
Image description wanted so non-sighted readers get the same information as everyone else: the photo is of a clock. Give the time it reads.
5:52:52
